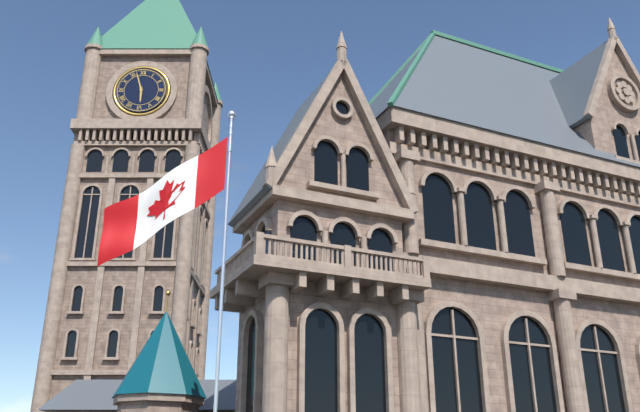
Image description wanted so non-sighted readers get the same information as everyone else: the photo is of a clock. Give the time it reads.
5:57
